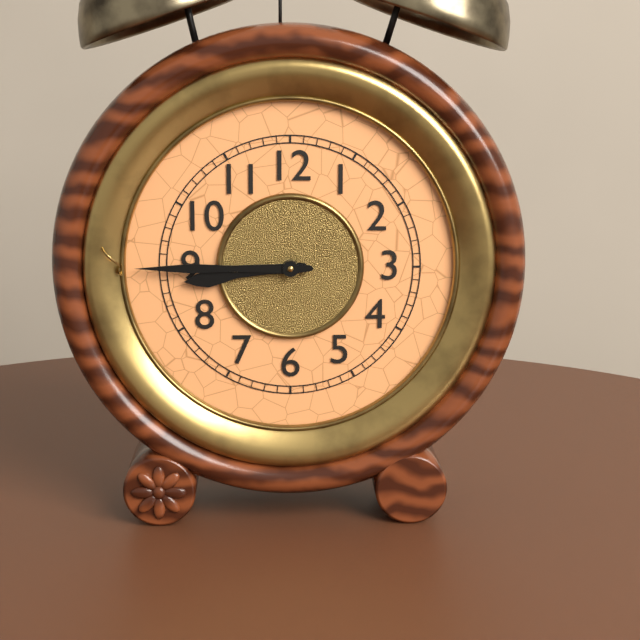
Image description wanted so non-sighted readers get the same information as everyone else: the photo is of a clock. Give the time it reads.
8:45
